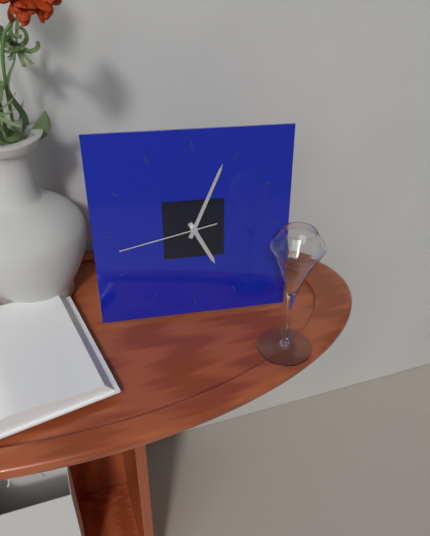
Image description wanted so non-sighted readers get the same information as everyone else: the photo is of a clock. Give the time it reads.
5:04:43
